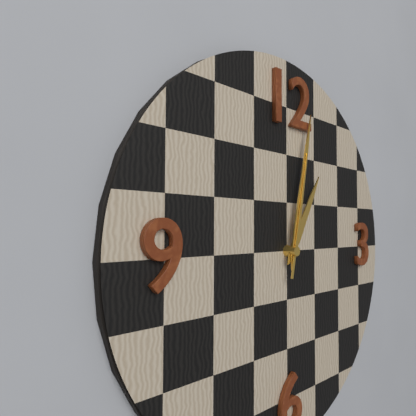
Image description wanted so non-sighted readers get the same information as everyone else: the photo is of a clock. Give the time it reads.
1:02:02
